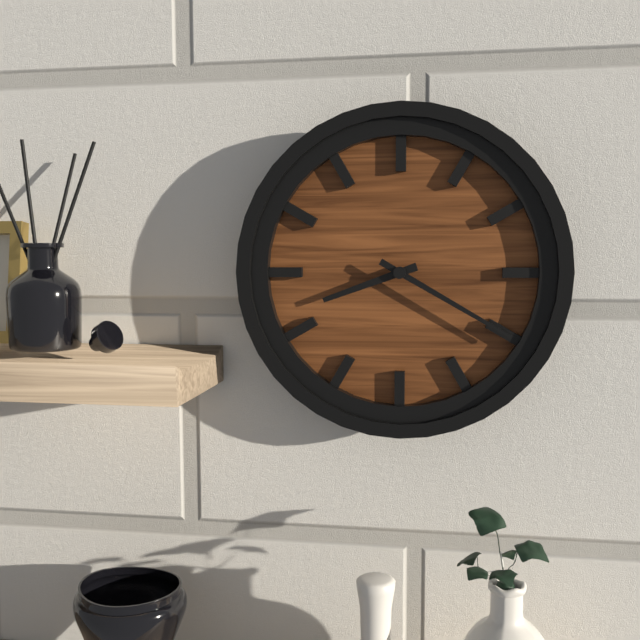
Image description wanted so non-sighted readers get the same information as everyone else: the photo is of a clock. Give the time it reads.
8:20
